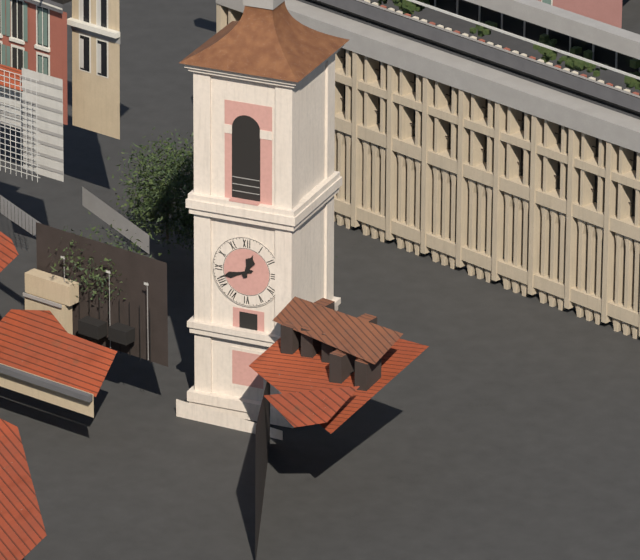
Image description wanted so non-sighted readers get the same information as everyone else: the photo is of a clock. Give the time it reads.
12:42
